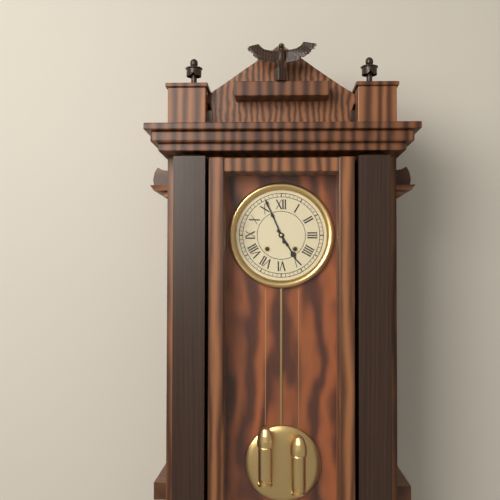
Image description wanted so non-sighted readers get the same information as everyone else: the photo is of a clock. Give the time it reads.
4:56
